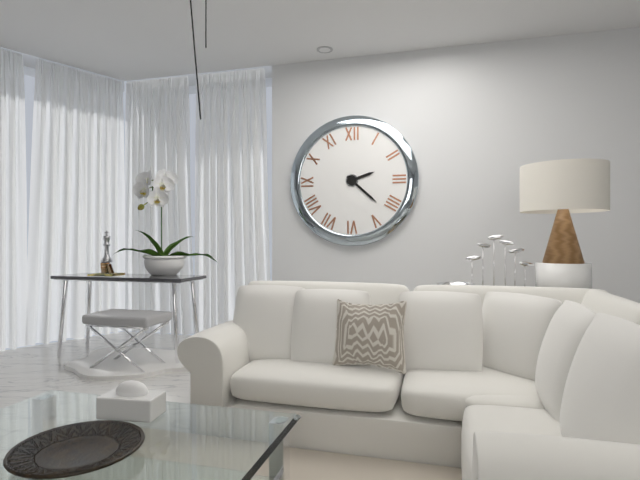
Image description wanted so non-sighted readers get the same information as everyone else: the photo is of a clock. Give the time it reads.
2:22
